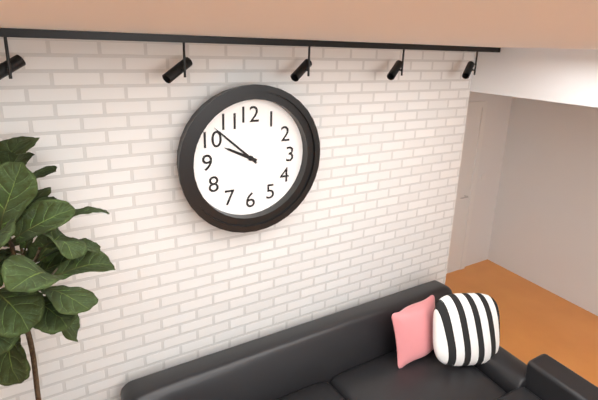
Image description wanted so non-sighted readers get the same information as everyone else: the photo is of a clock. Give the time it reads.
9:52
